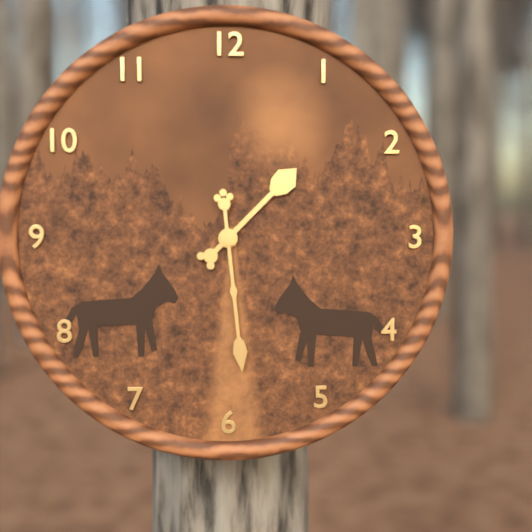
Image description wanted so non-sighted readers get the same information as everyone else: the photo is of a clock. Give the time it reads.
1:29
